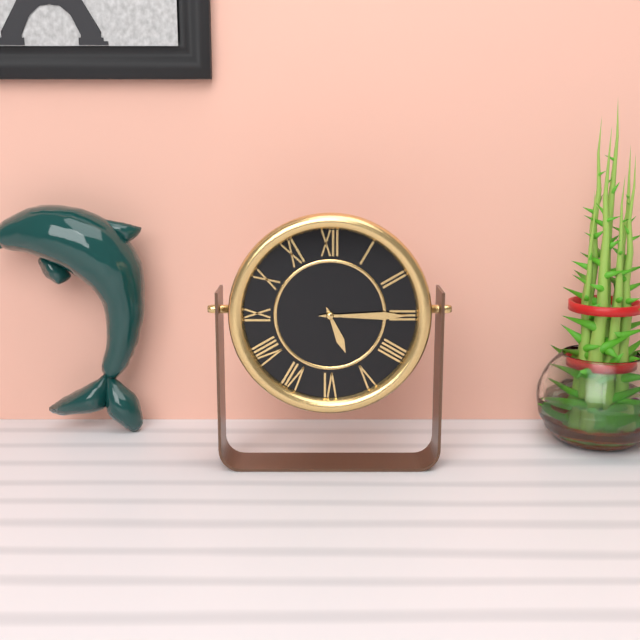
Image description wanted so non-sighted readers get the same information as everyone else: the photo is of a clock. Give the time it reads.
5:15
